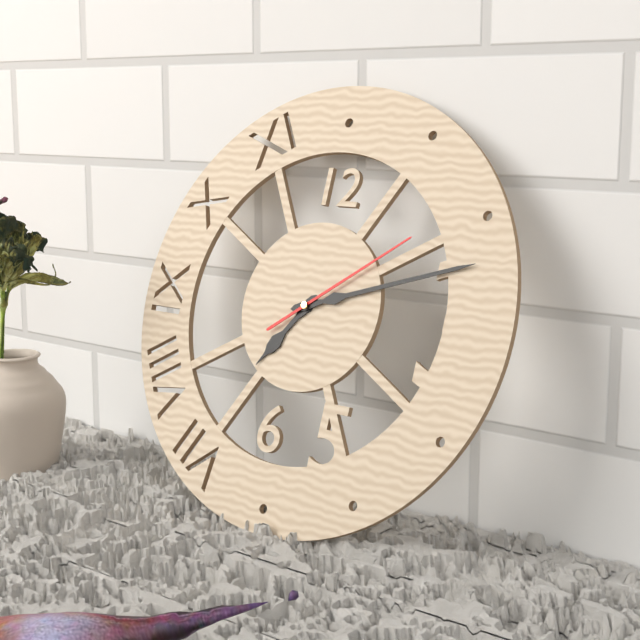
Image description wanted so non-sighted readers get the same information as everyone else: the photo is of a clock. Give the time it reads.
7:12:09
